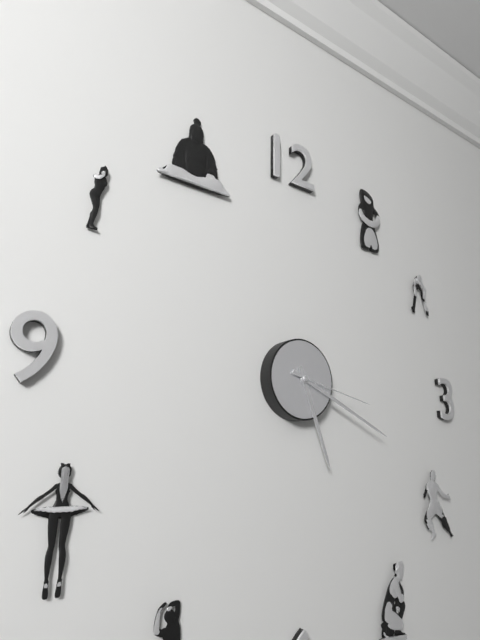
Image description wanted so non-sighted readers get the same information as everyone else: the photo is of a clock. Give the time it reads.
5:19:17
